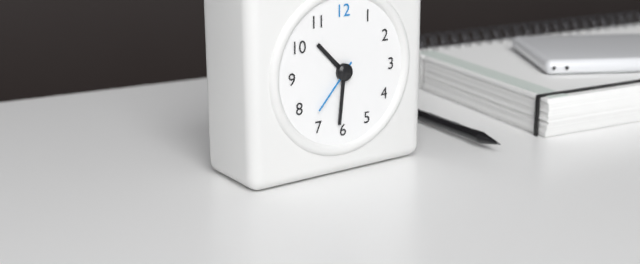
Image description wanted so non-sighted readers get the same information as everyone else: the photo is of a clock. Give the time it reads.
10:31:37
